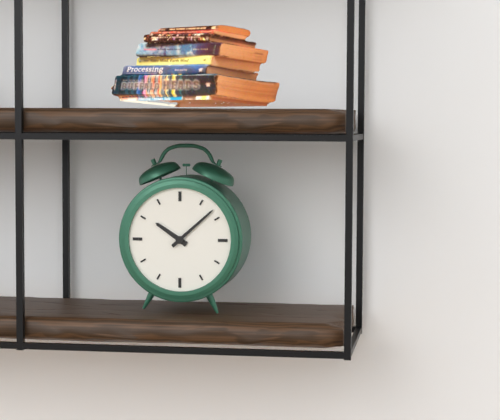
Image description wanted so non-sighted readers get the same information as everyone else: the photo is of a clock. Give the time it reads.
10:08
